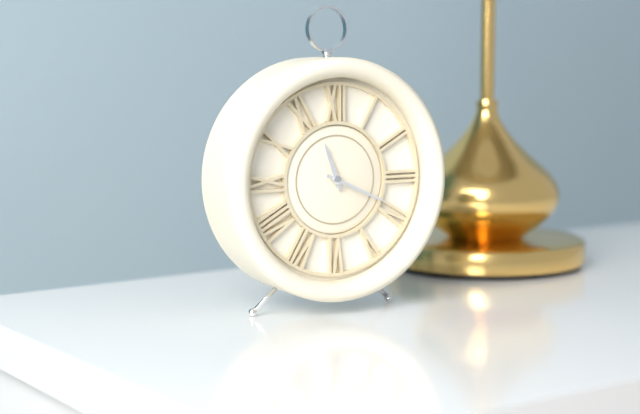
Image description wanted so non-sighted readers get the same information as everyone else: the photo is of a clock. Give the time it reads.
11:19
